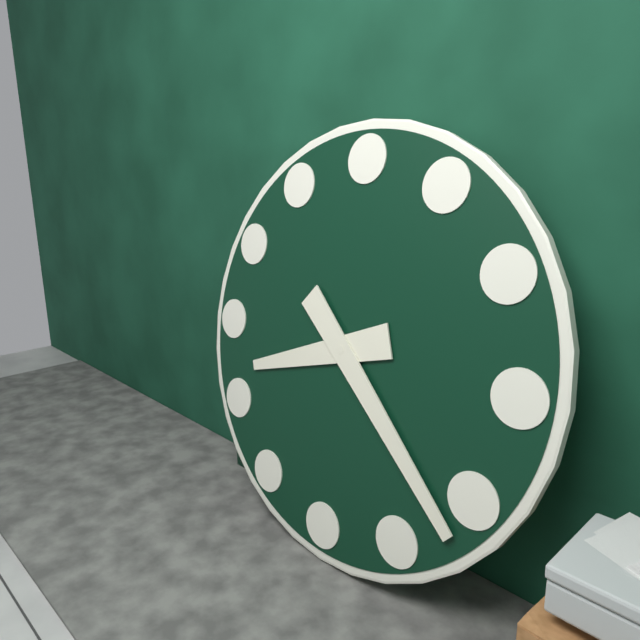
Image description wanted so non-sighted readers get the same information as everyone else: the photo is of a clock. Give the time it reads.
8:22
